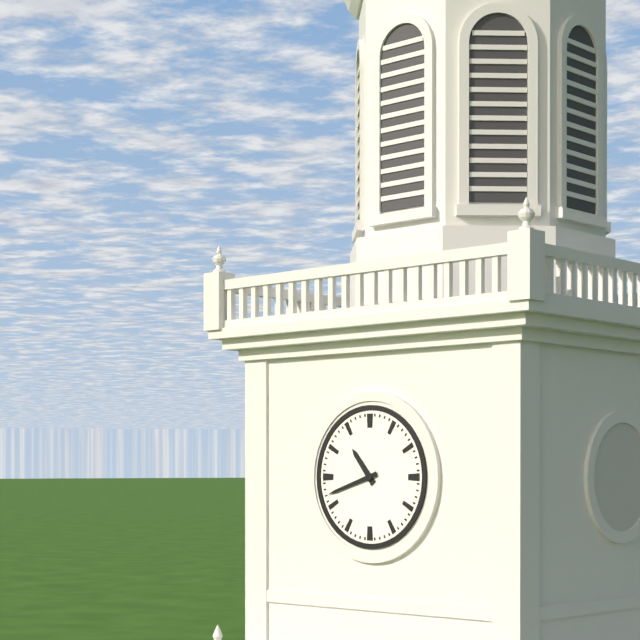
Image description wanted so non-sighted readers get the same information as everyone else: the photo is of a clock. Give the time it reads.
10:42
